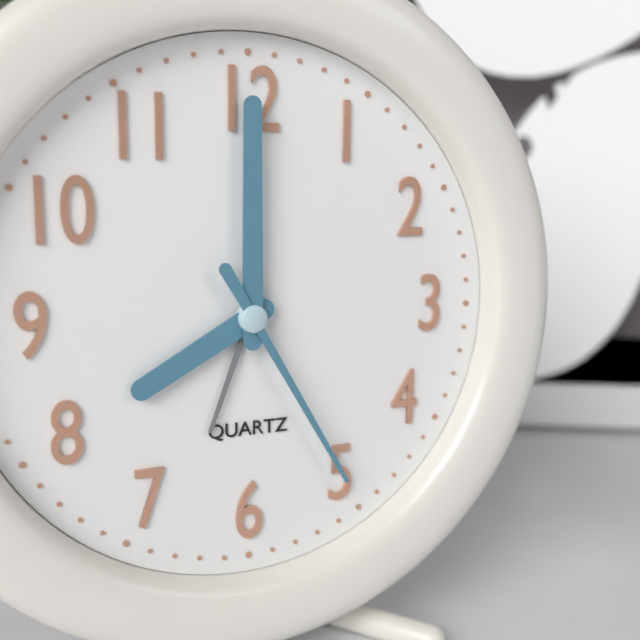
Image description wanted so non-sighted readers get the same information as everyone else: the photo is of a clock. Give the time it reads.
8:00:25
